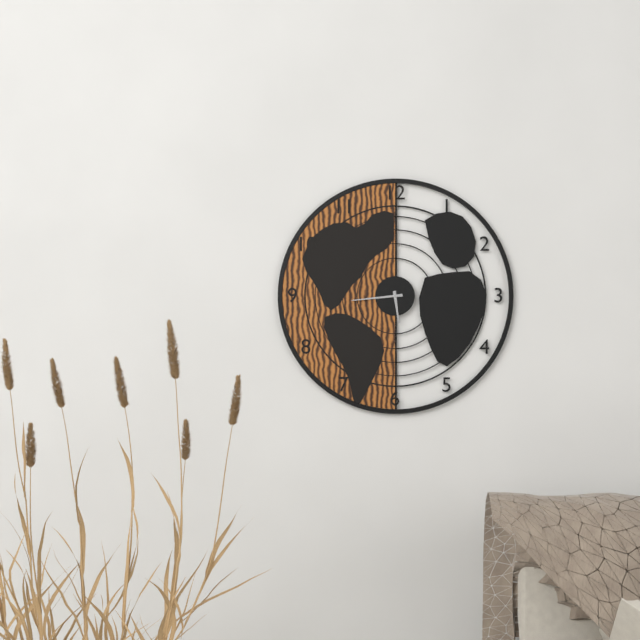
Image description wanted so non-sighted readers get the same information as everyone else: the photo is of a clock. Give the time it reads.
5:44
